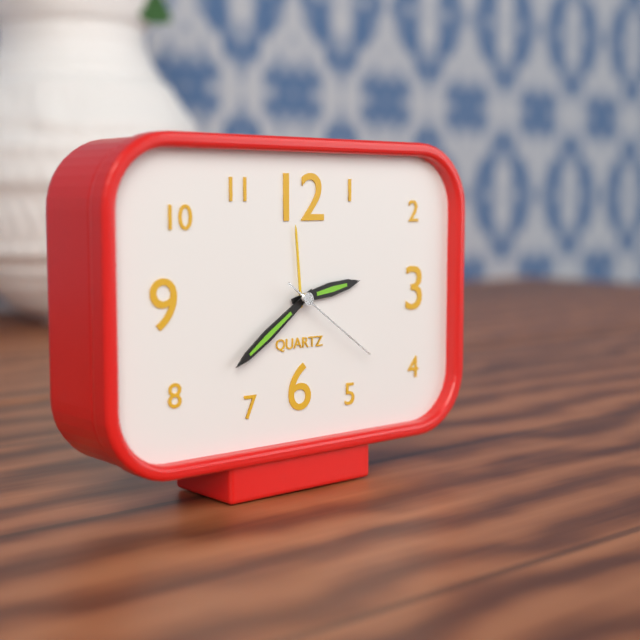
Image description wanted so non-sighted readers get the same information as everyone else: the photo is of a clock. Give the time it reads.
2:39:21
